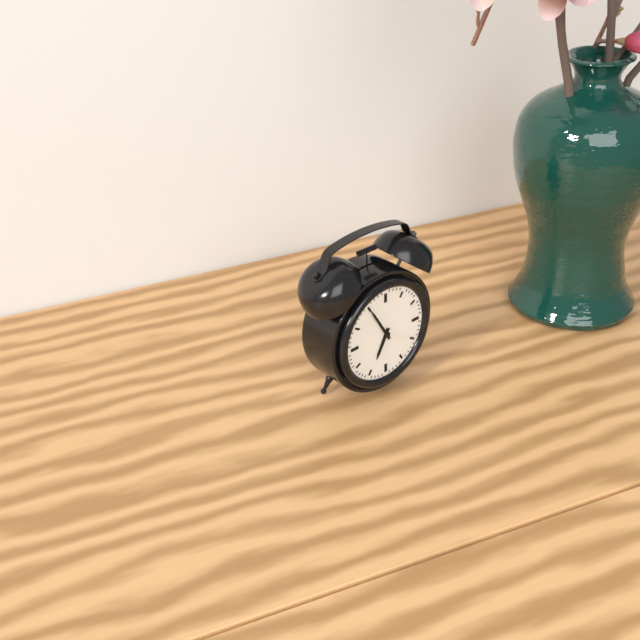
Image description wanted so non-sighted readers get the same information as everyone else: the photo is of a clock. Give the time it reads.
6:55
